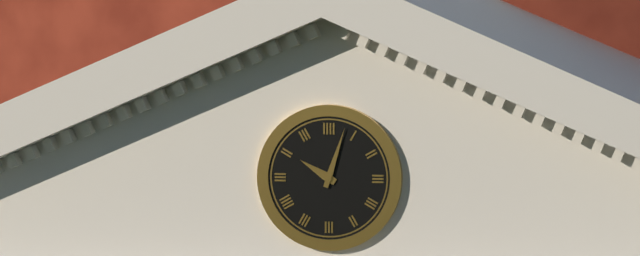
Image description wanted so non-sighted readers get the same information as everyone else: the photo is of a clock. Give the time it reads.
10:03
